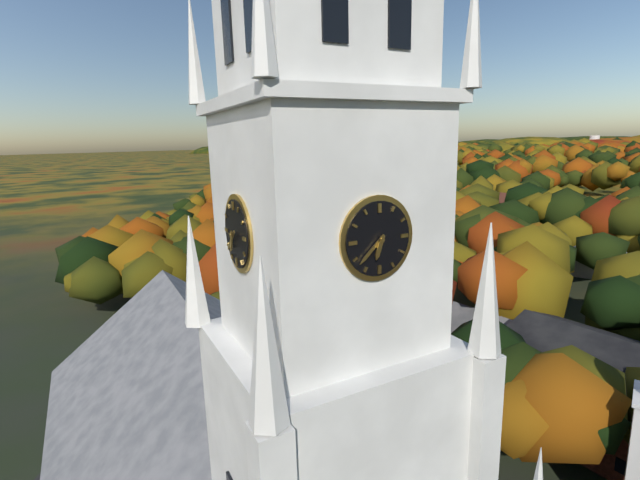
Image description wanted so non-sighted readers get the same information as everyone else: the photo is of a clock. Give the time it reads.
6:38
